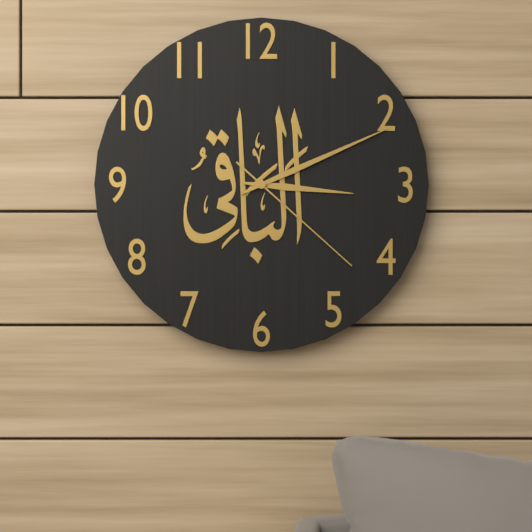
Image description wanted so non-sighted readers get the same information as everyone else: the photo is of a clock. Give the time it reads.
3:11:22
